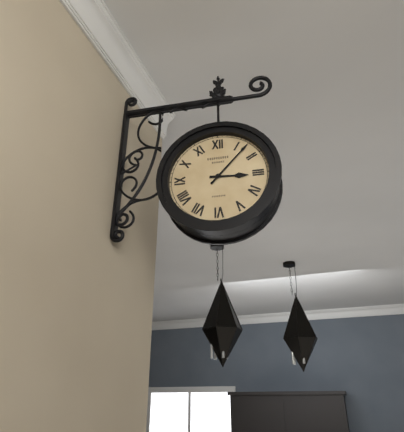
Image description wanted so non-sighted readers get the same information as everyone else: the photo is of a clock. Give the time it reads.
3:07
